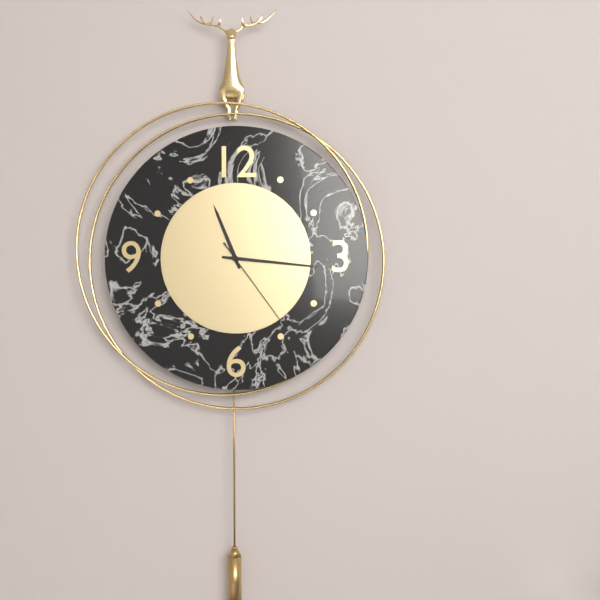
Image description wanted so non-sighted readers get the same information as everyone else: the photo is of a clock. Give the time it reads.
11:16:24
